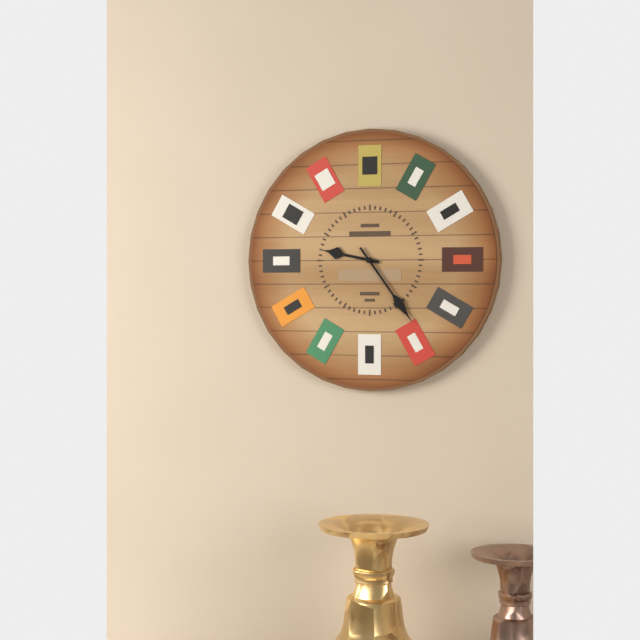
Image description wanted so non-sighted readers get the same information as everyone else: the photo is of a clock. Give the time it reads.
9:24
